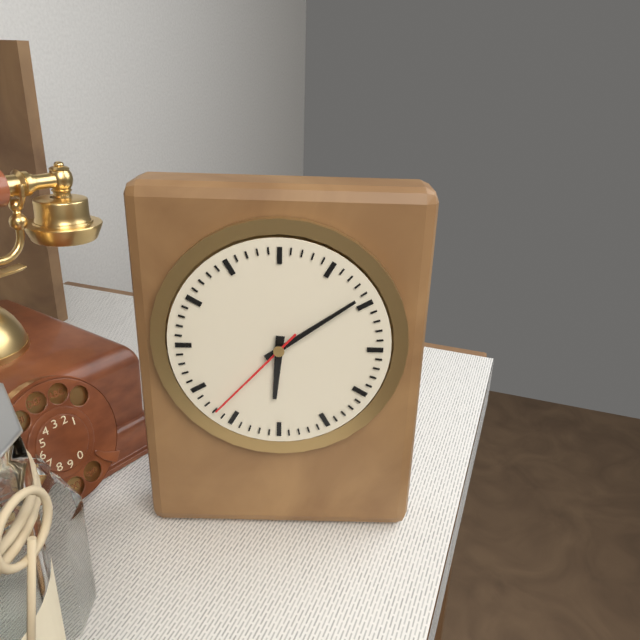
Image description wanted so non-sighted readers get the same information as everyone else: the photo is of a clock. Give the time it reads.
6:09:37
